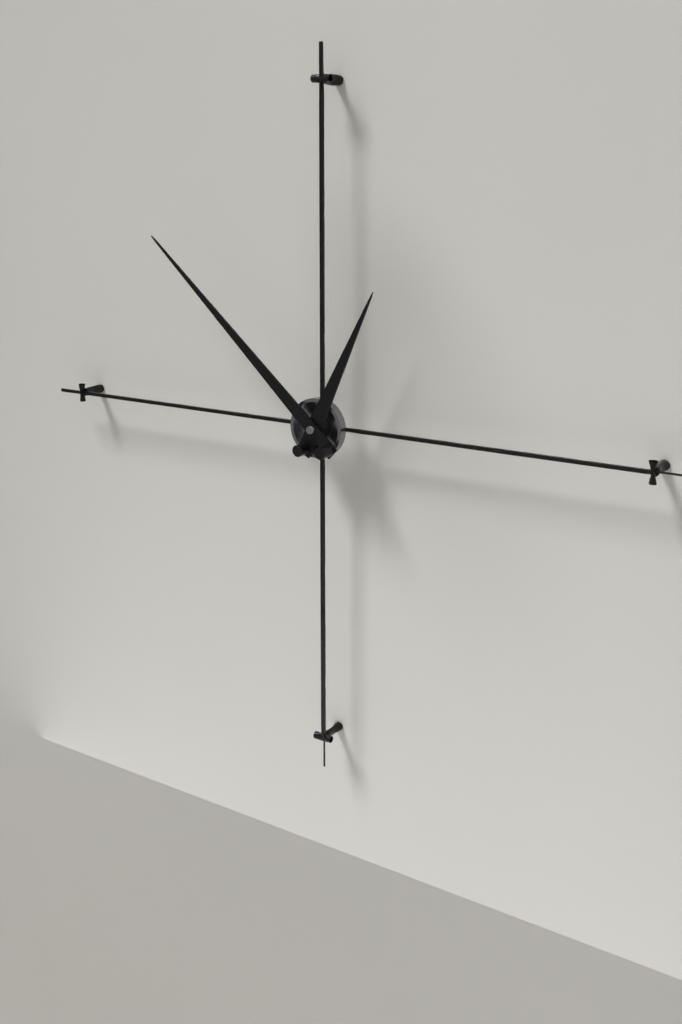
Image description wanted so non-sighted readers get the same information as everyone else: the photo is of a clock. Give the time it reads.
12:52
